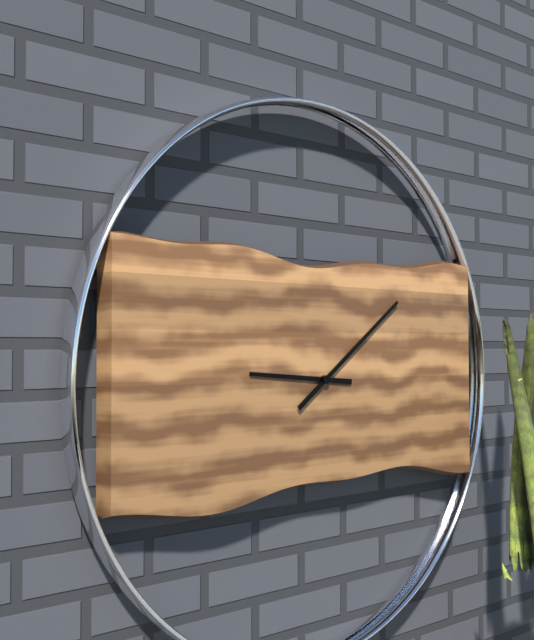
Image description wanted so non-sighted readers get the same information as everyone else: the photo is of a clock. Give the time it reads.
9:09
